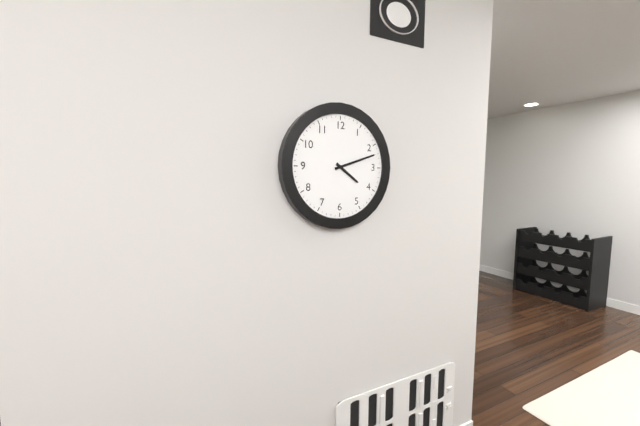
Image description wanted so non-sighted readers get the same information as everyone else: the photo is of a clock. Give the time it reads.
4:12
